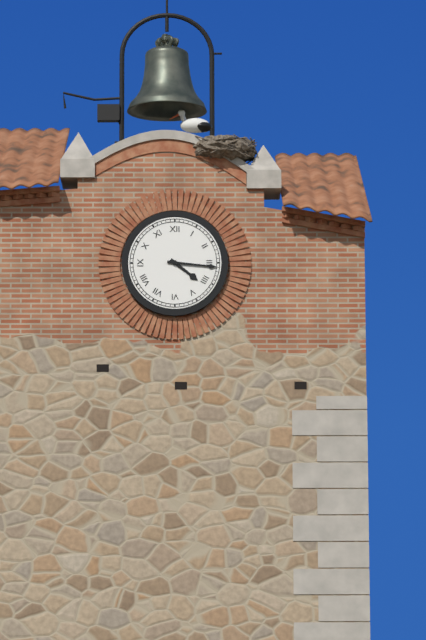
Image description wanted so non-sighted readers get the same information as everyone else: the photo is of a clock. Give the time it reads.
4:16
